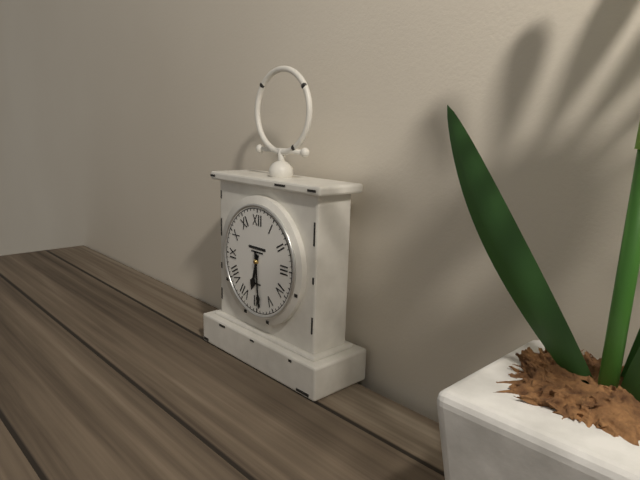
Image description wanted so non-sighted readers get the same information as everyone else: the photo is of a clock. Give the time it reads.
6:29
